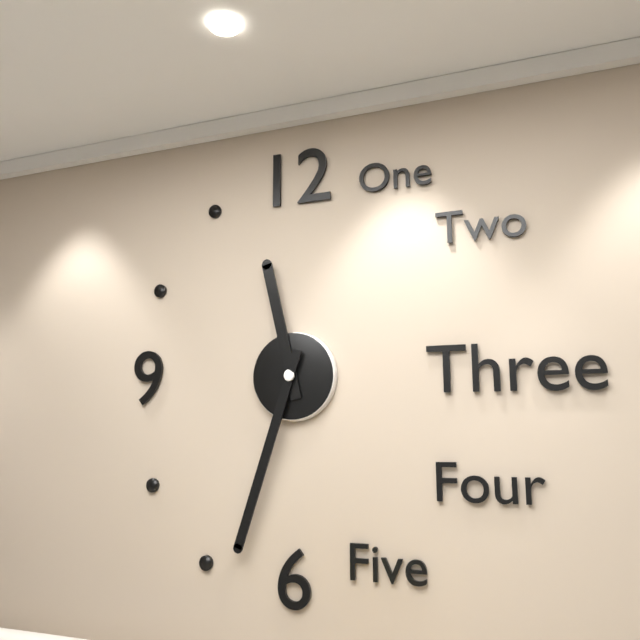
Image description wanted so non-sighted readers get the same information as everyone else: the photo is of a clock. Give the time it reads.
11:33
